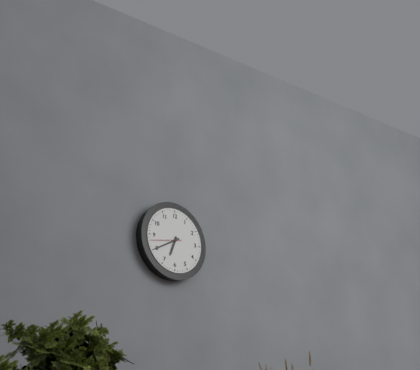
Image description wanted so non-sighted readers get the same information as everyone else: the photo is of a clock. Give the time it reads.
6:40
